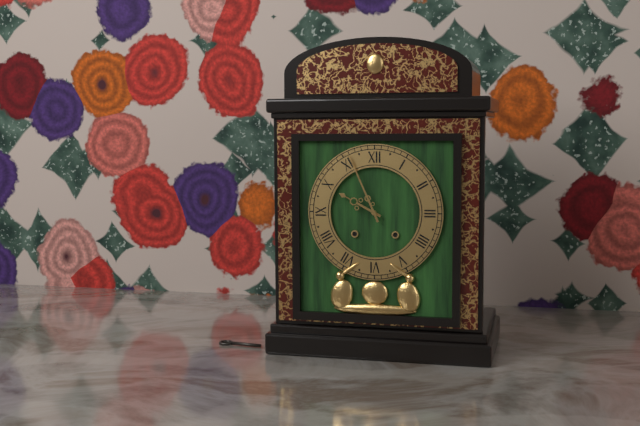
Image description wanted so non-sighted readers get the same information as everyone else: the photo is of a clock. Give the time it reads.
9:56
